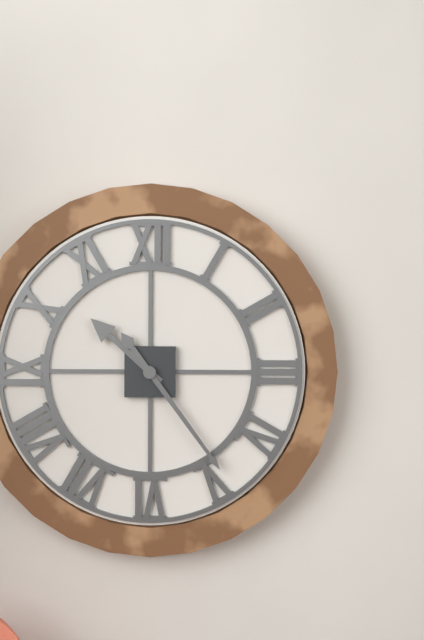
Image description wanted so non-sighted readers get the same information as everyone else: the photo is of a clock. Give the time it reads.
10:24
